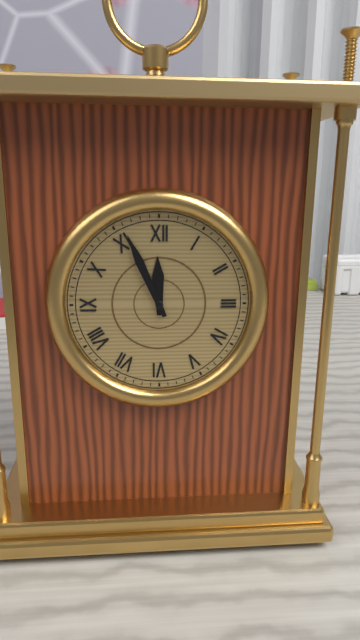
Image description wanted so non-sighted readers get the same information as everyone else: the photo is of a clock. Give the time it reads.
11:56
